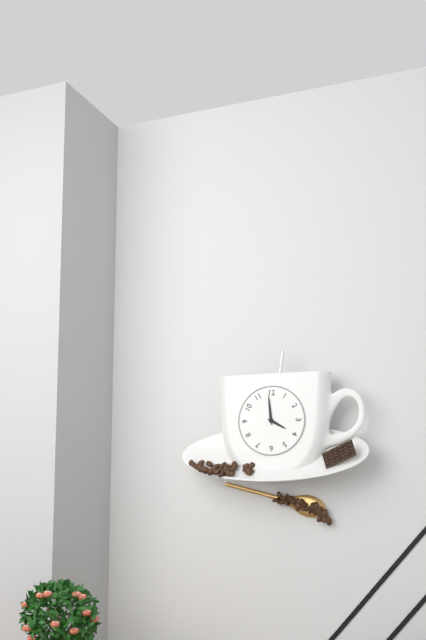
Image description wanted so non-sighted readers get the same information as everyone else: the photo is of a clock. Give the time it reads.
3:59
